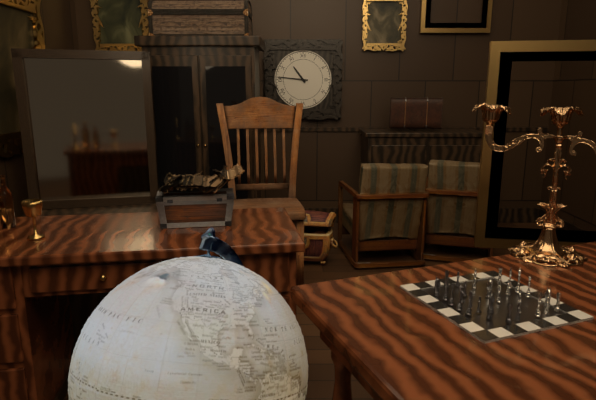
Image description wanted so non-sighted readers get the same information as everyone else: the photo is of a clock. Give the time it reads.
10:46
